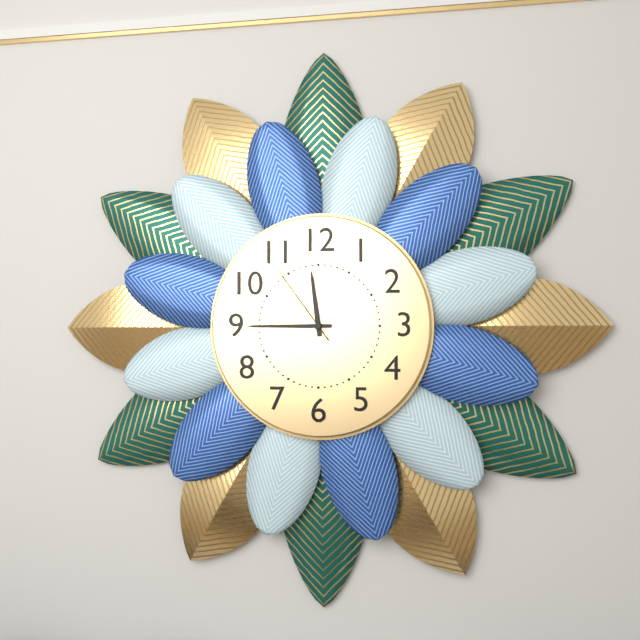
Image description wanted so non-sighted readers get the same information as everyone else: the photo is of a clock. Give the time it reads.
11:45:54
